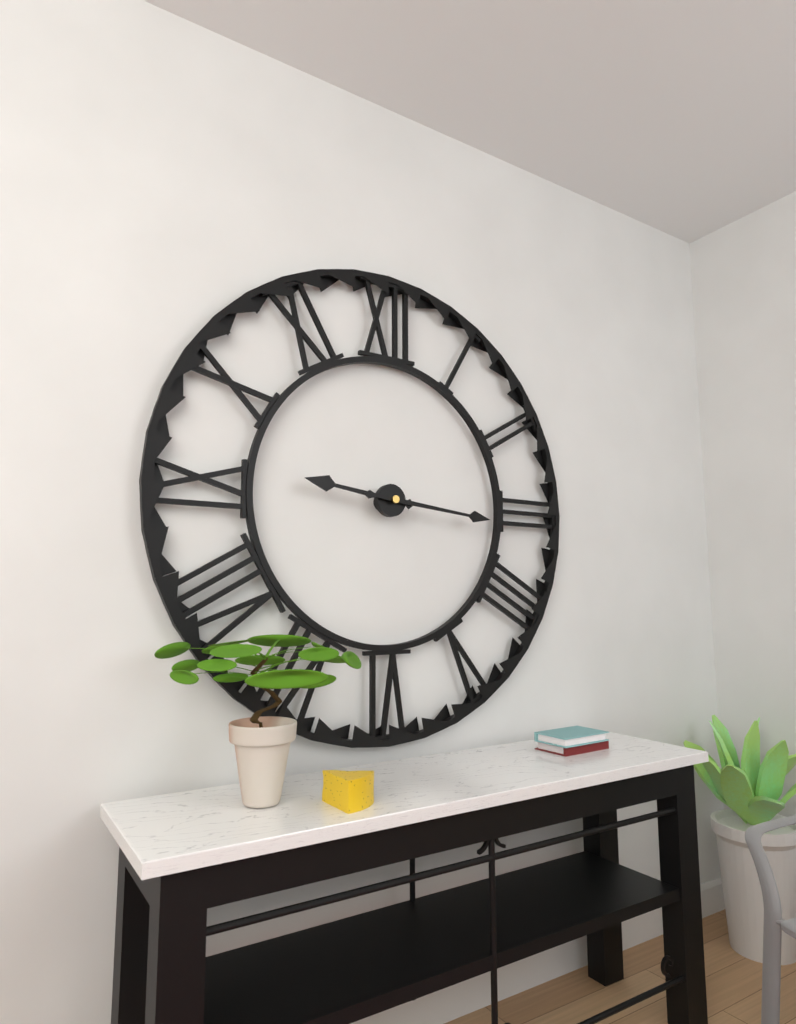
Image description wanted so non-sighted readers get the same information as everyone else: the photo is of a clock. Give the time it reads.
9:16
